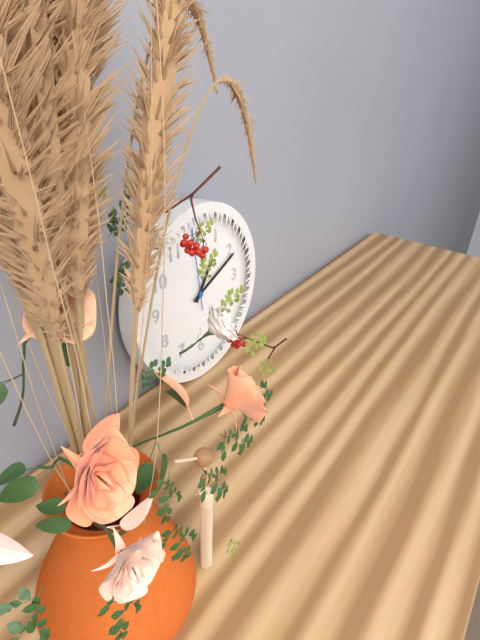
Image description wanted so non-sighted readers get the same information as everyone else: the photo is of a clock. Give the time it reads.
1:11:59
